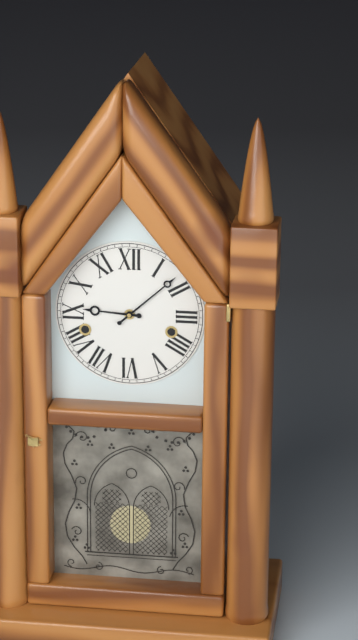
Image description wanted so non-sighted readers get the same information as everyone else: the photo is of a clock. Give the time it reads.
9:08
